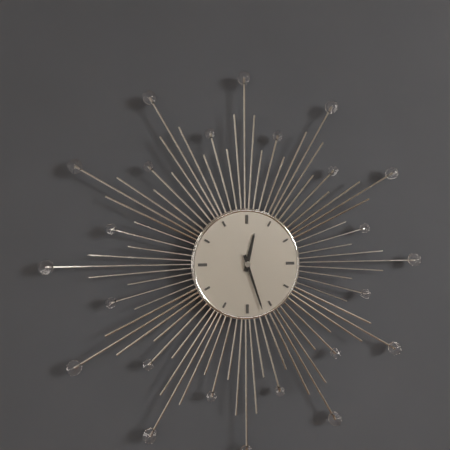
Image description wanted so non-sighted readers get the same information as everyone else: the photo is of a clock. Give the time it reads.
12:27
